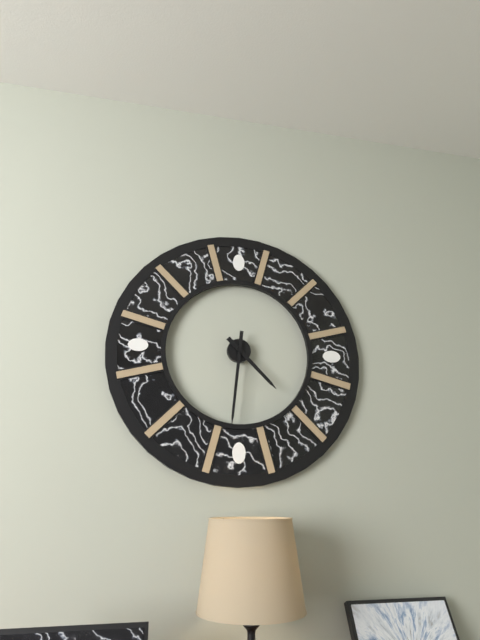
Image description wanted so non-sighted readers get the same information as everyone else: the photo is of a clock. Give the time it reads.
4:31
